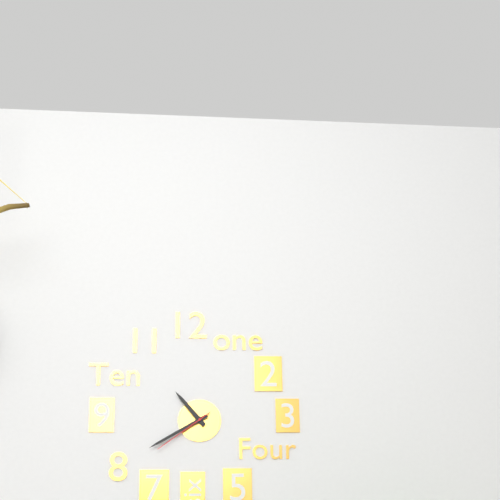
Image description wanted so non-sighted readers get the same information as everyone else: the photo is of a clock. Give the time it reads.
10:40:39
